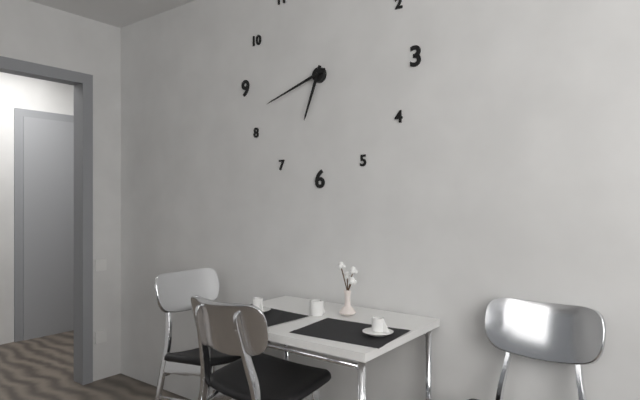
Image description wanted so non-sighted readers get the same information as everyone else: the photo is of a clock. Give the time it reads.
6:42
